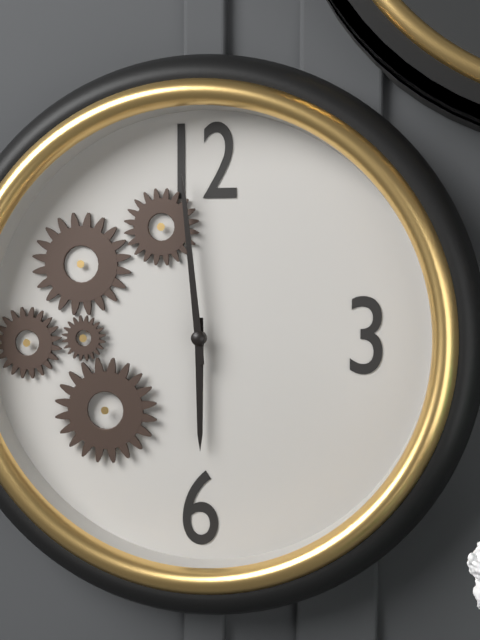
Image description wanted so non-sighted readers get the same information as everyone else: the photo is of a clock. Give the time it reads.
5:59
